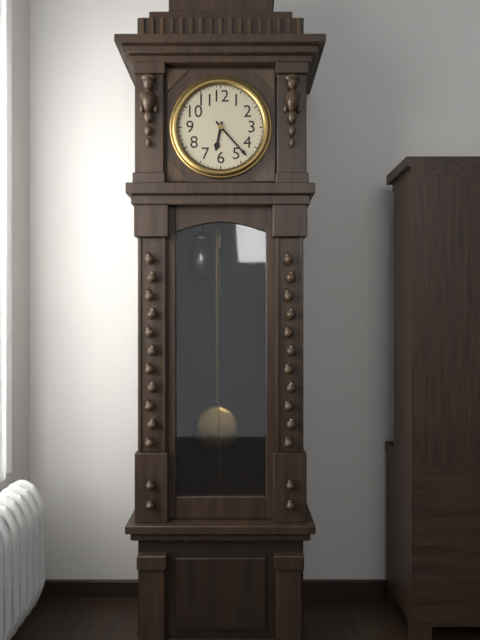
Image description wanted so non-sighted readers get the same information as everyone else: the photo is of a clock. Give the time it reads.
6:23
